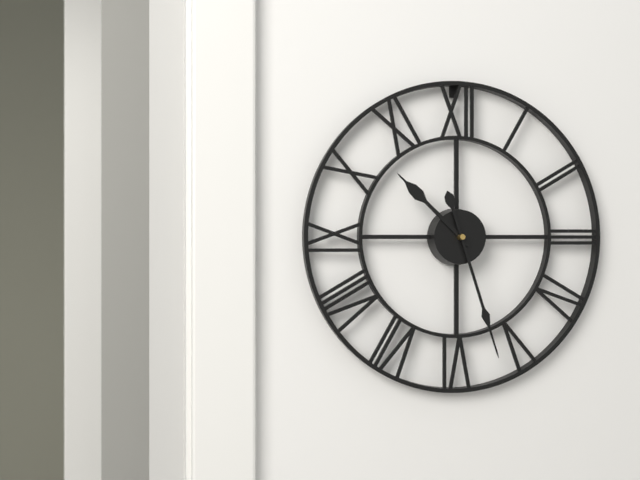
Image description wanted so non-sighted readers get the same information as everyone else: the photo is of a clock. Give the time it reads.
10:27
